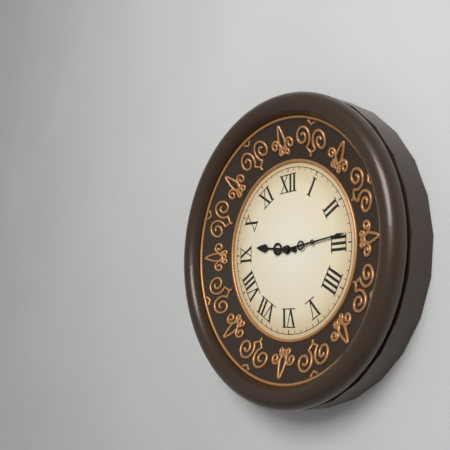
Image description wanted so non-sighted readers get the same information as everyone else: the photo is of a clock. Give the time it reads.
9:14
